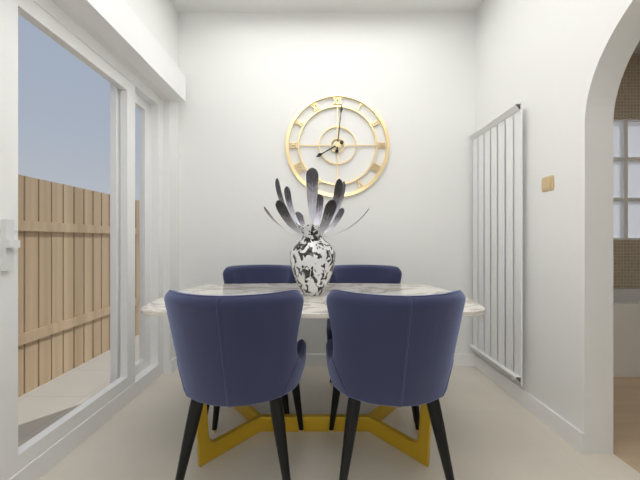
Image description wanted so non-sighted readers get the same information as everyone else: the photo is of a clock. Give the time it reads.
8:01
